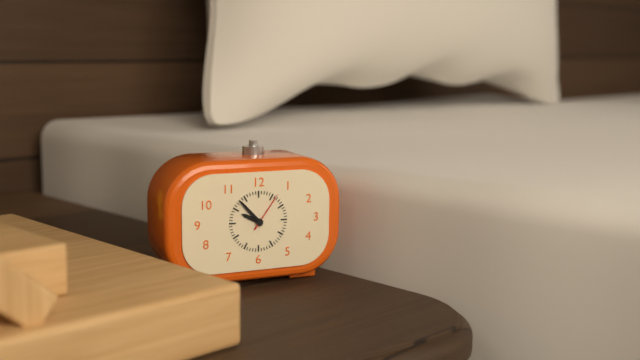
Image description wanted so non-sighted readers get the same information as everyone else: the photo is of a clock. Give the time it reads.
9:53
